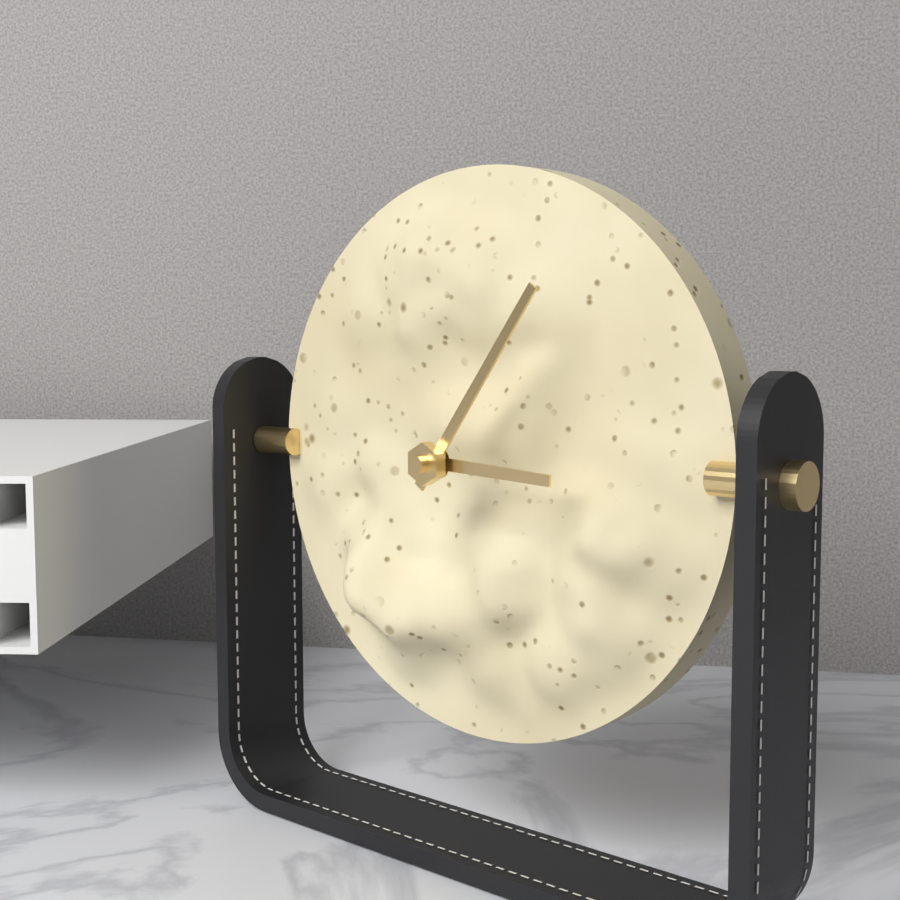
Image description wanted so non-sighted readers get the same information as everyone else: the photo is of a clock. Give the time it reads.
3:06
